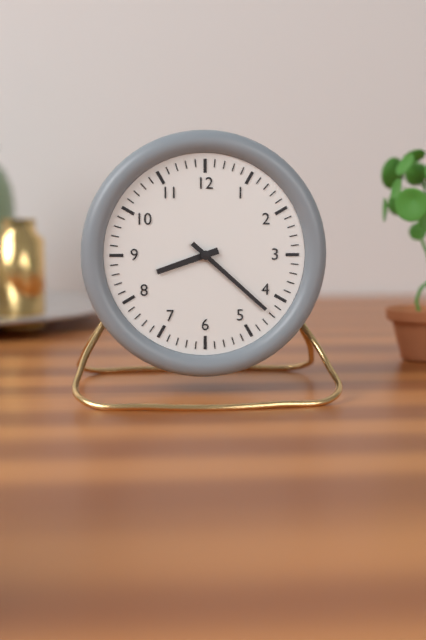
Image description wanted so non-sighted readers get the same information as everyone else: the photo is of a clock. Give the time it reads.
8:22
